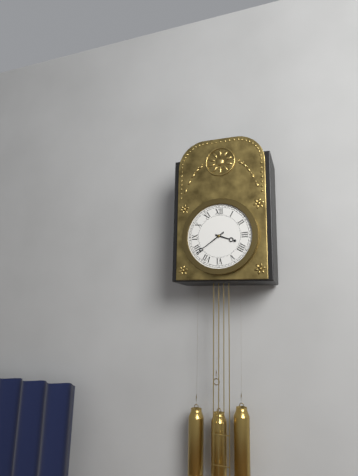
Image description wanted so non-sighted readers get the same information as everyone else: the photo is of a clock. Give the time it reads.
3:39
